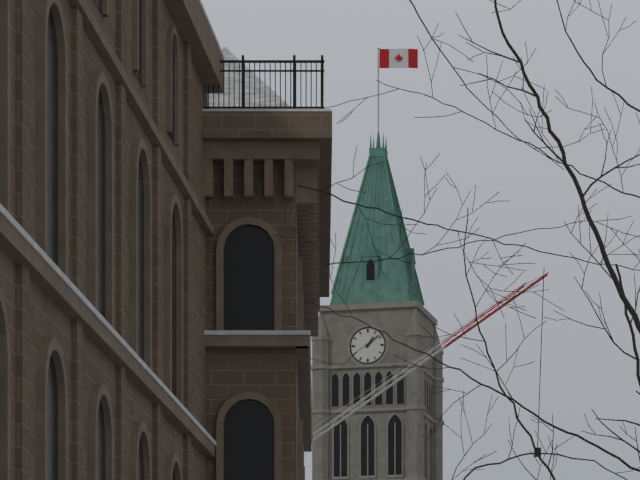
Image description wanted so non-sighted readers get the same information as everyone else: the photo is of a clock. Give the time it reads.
1:08
